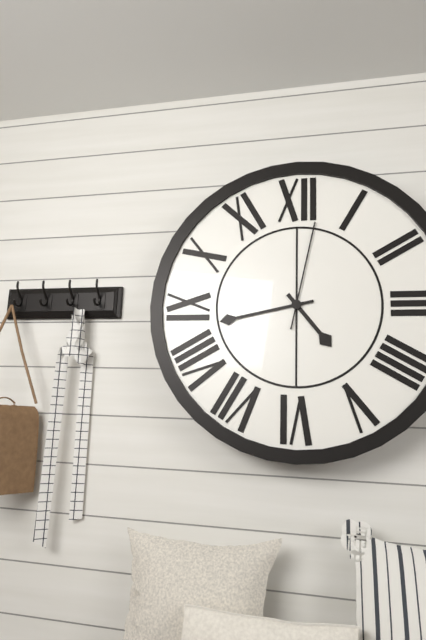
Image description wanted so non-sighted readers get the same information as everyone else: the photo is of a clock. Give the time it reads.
4:43:02
